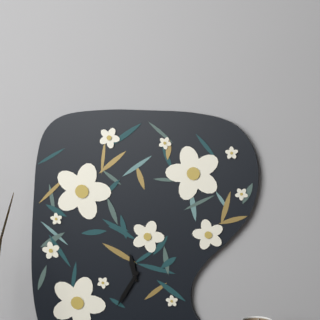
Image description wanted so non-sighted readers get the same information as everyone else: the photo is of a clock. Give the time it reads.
11:35
